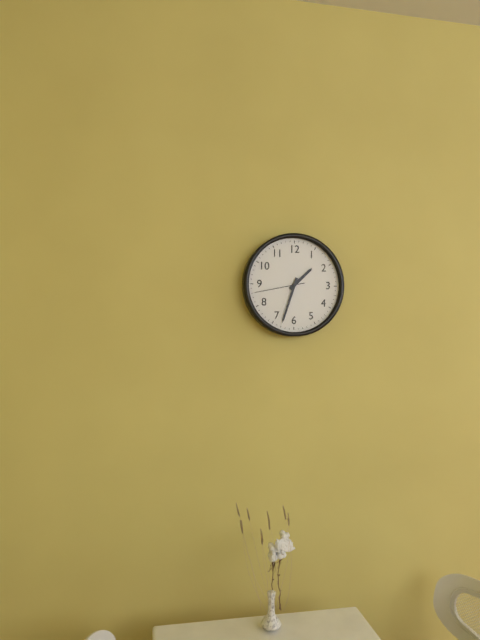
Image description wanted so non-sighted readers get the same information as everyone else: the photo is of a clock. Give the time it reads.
1:33:43
